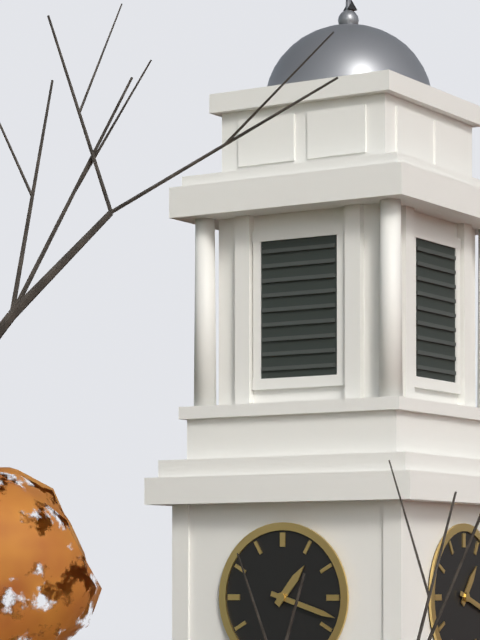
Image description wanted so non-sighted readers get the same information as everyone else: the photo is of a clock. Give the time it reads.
1:18
